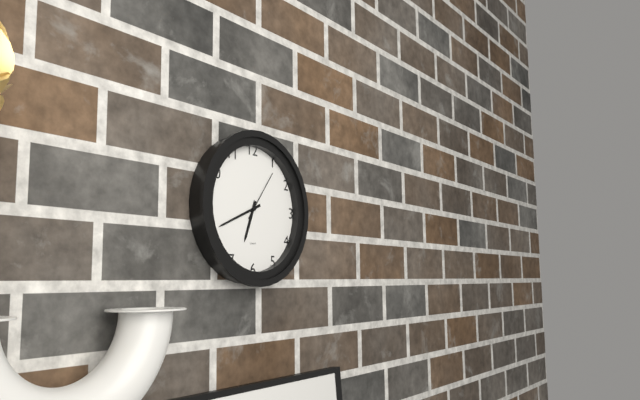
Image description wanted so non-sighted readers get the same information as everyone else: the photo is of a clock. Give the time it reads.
6:41:06
